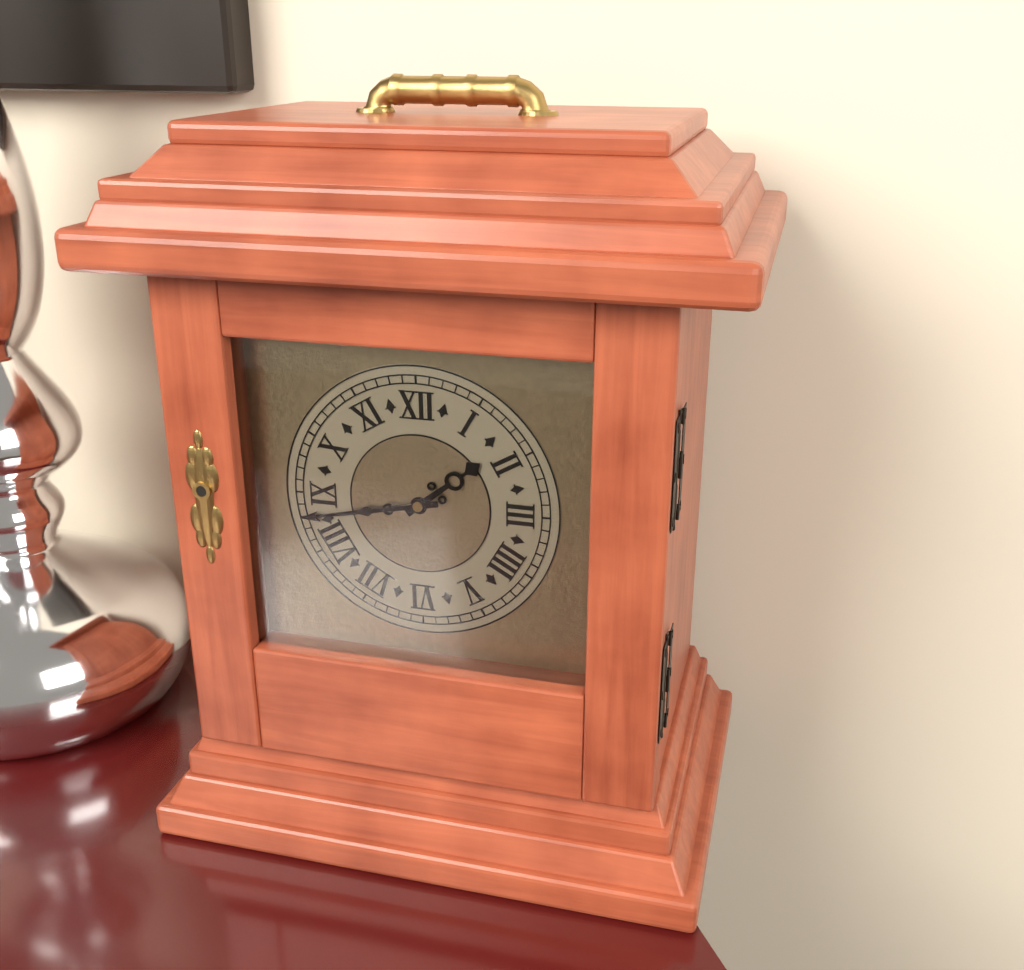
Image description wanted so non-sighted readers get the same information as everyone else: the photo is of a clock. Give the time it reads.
1:43
